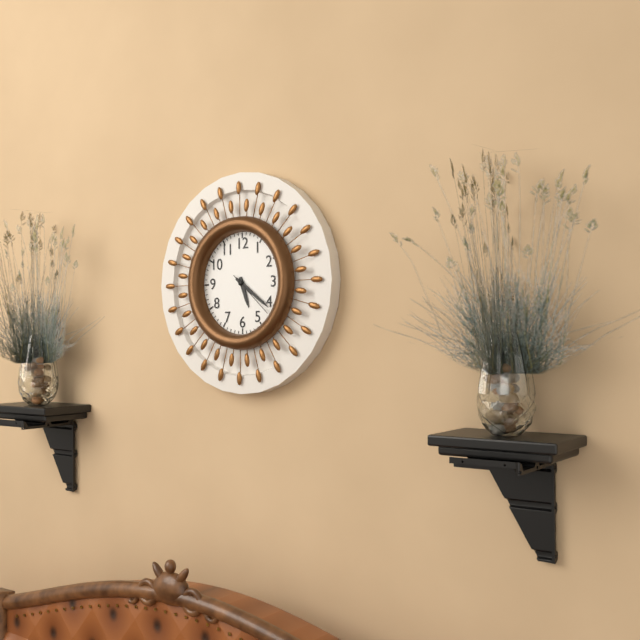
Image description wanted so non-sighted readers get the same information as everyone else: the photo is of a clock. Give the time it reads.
5:21:22
